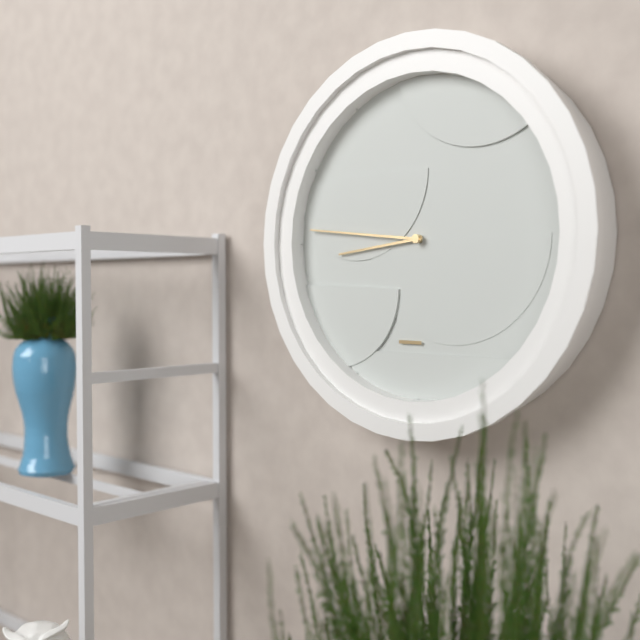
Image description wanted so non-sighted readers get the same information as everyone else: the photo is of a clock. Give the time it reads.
8:46
